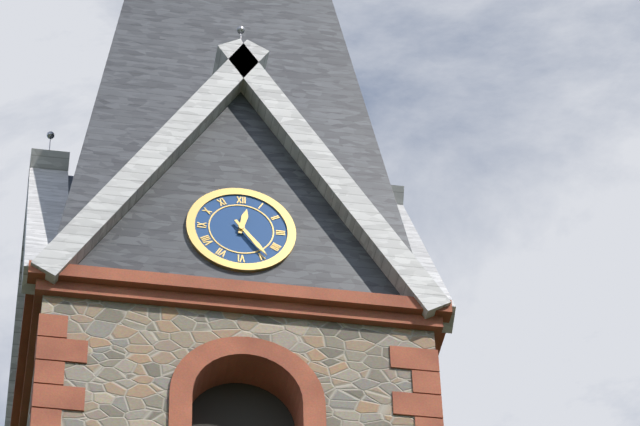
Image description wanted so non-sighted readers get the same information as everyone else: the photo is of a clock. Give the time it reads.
12:24
